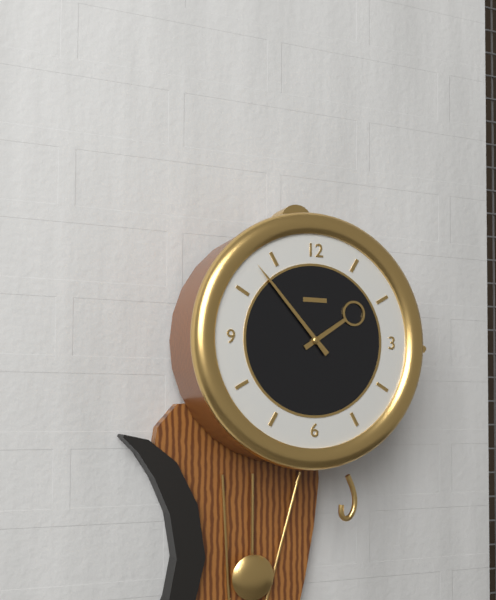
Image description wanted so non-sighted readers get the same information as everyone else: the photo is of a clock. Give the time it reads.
1:53
